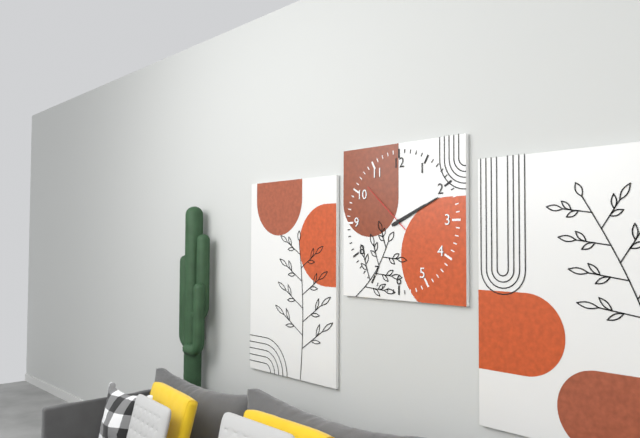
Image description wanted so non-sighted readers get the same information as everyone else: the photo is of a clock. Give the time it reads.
2:11:52
